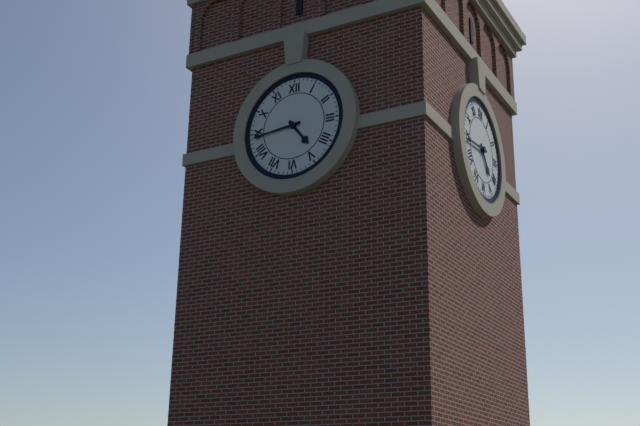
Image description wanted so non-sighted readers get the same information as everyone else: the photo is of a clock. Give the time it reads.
4:44
